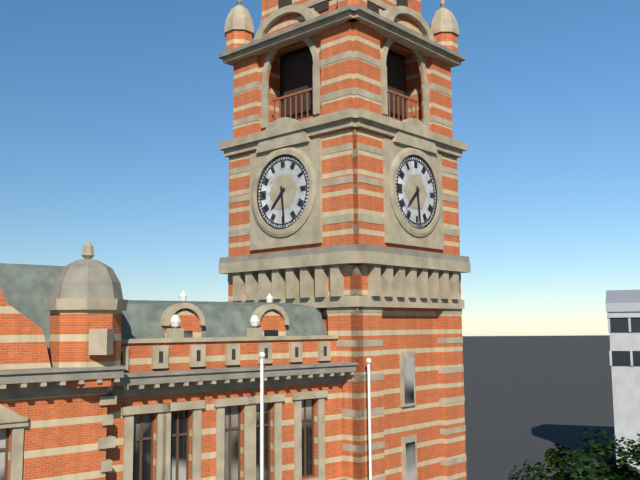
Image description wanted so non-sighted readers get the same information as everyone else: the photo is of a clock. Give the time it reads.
7:29
